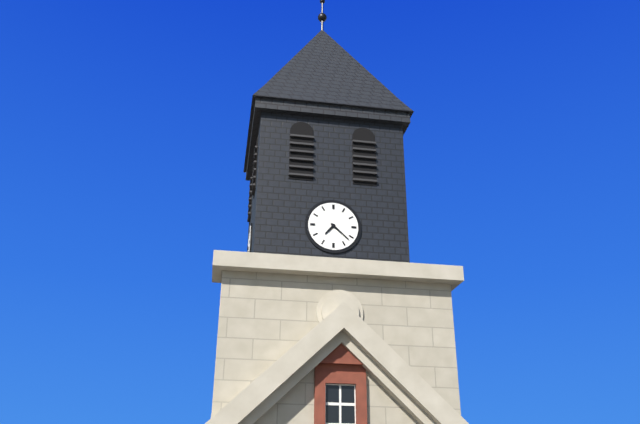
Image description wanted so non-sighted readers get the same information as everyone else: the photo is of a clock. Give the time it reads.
7:22
